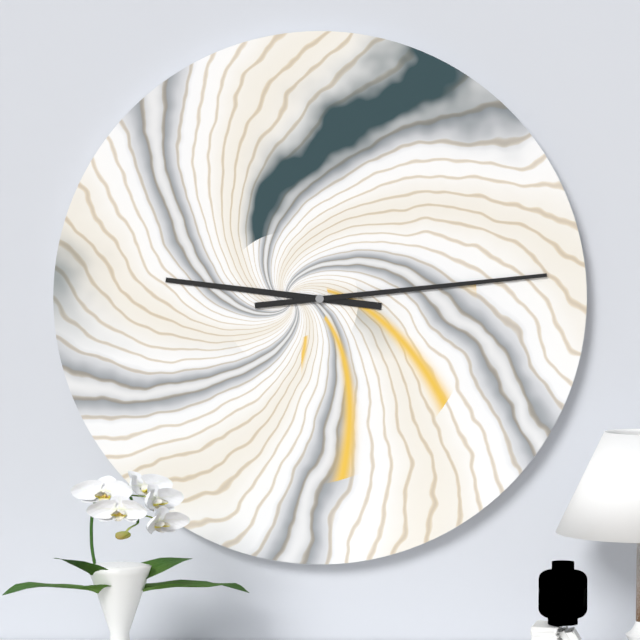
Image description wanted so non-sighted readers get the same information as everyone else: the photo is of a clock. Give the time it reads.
9:14
